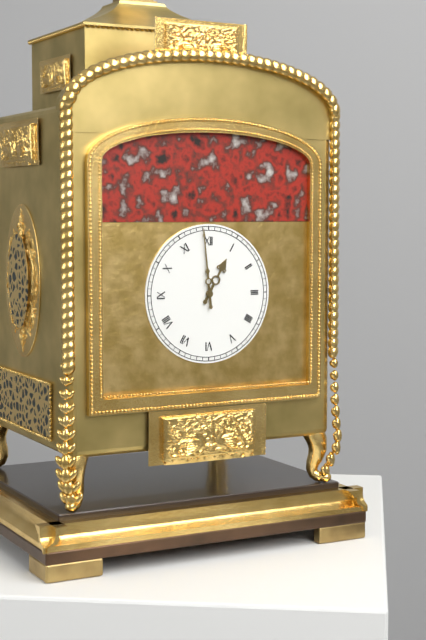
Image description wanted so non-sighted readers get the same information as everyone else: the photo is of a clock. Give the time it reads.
12:59
